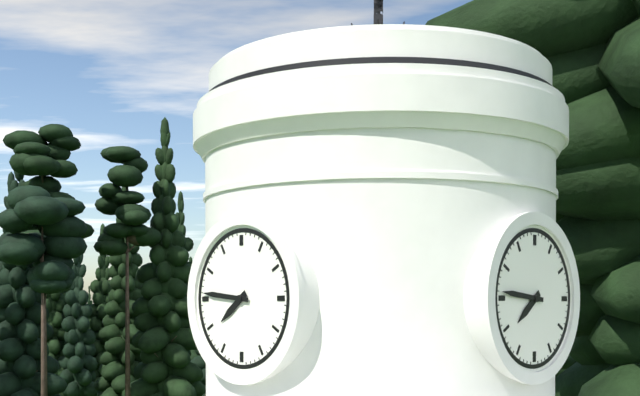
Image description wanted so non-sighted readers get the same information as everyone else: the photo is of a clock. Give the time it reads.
7:46
